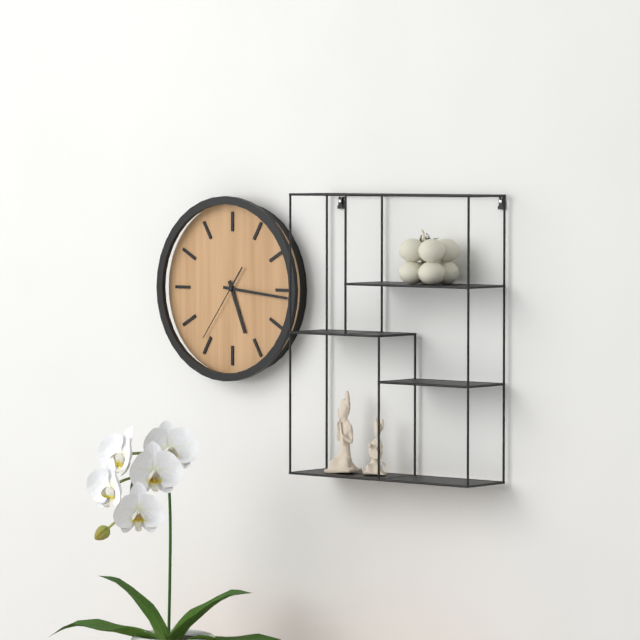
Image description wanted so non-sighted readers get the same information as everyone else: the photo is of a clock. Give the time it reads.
5:16:36
